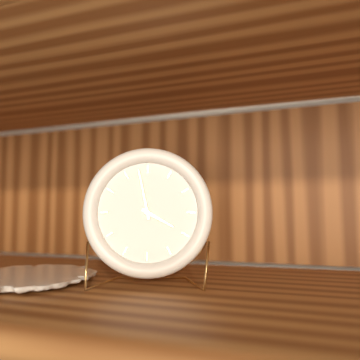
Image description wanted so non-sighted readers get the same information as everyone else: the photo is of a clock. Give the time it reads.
3:58
